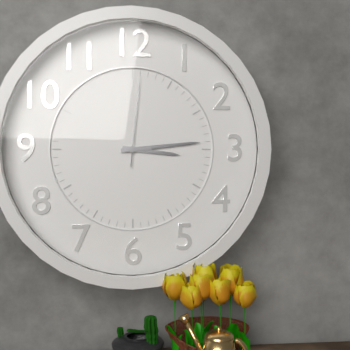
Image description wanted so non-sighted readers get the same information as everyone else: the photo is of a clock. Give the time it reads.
3:14:01
